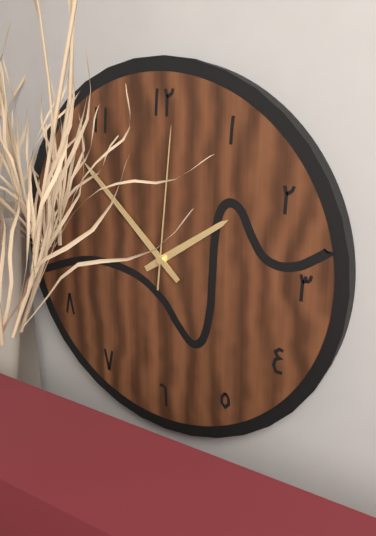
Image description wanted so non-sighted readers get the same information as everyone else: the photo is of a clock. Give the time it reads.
1:52:01
